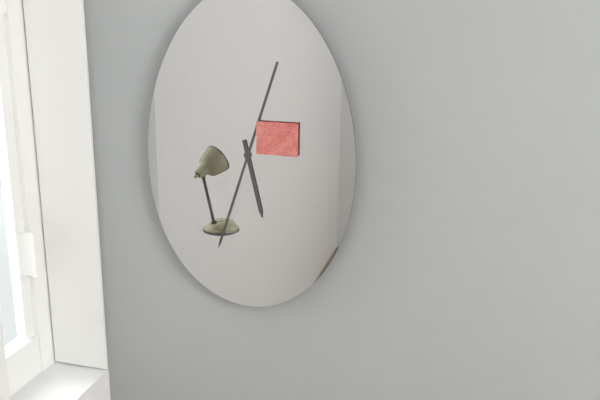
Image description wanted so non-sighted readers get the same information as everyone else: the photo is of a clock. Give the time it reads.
5:33
